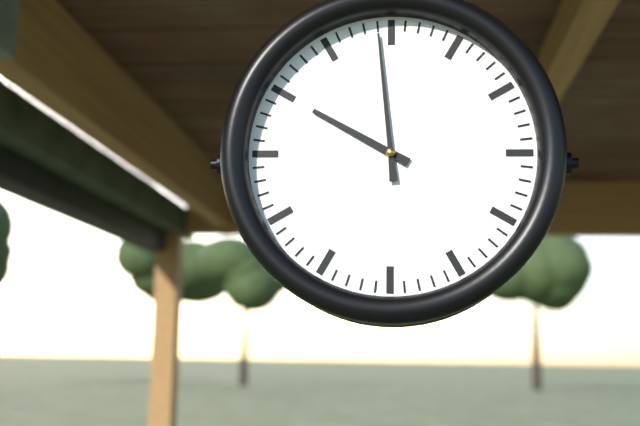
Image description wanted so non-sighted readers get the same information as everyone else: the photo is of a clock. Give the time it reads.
9:59
